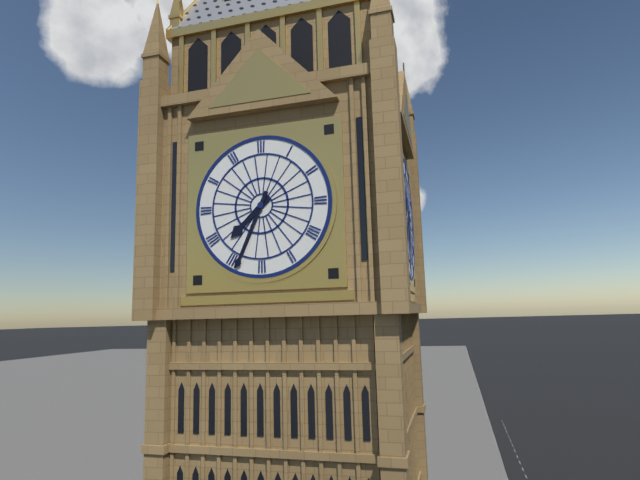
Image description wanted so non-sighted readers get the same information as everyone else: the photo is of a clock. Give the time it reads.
7:34
